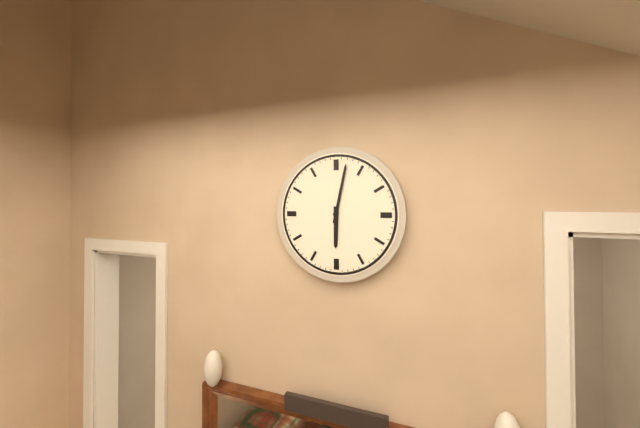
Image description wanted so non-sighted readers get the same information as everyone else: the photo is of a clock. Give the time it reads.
6:02
